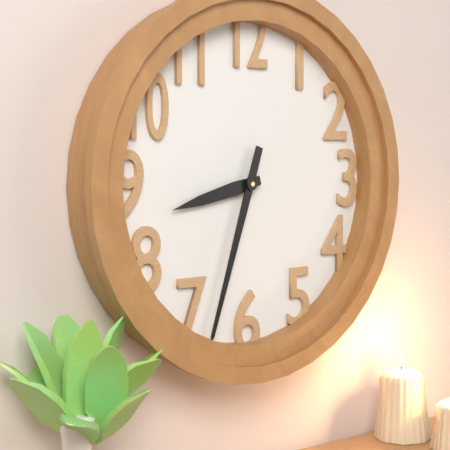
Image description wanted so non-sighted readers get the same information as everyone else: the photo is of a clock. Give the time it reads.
8:33
